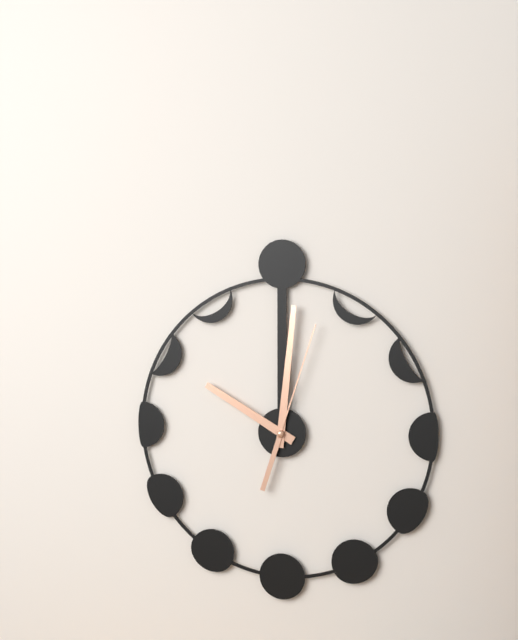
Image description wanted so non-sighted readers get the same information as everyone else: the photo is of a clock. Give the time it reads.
10:01:03
